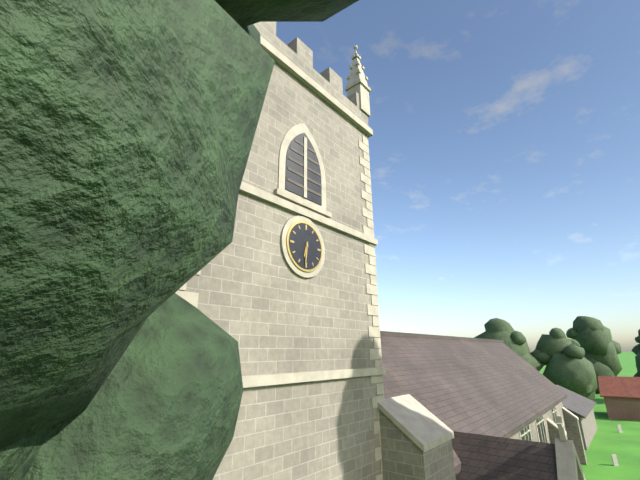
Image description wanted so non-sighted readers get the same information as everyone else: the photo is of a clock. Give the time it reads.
6:31
